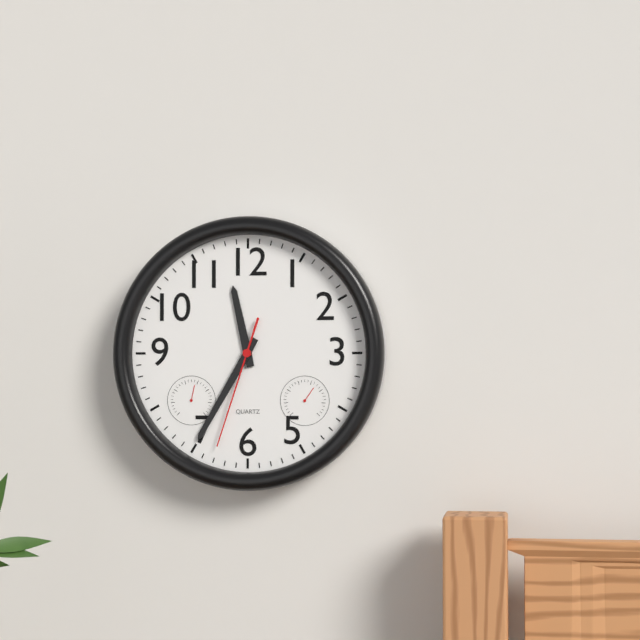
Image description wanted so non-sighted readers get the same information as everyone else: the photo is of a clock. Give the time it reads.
11:35:33
